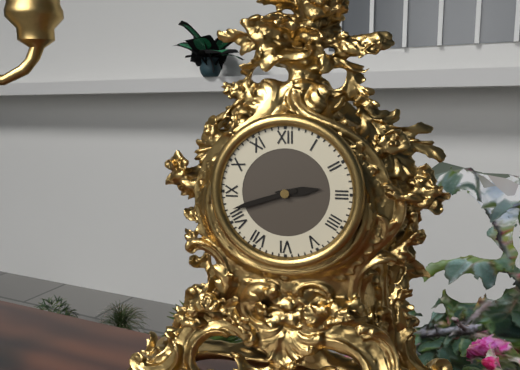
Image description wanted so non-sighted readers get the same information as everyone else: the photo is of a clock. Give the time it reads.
2:42
